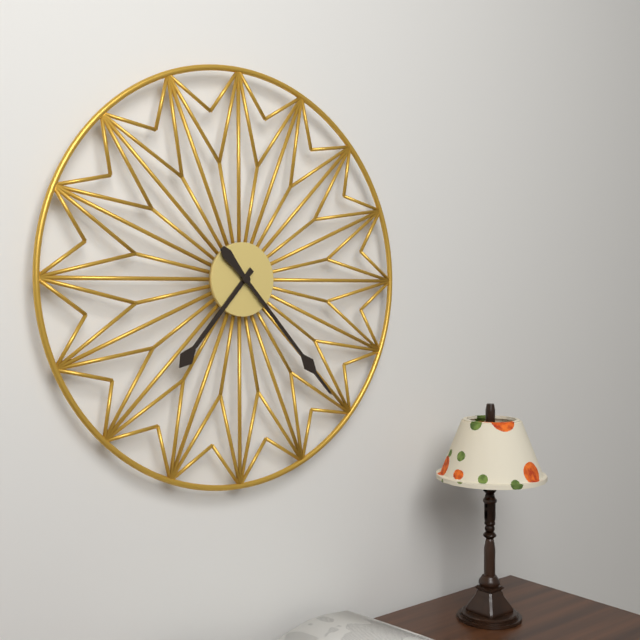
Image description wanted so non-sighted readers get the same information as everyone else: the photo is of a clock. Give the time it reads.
7:23
